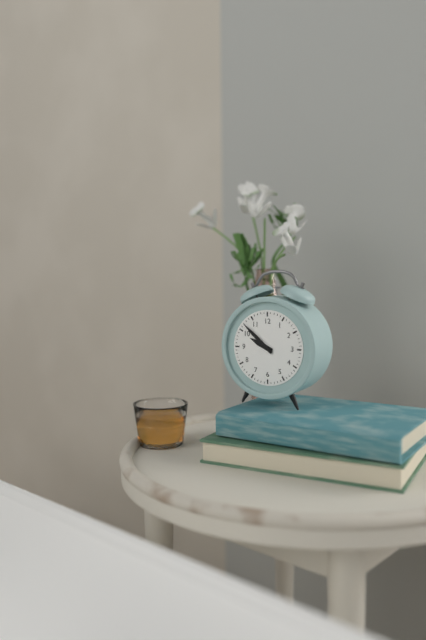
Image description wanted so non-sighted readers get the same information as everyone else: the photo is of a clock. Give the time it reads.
9:52
